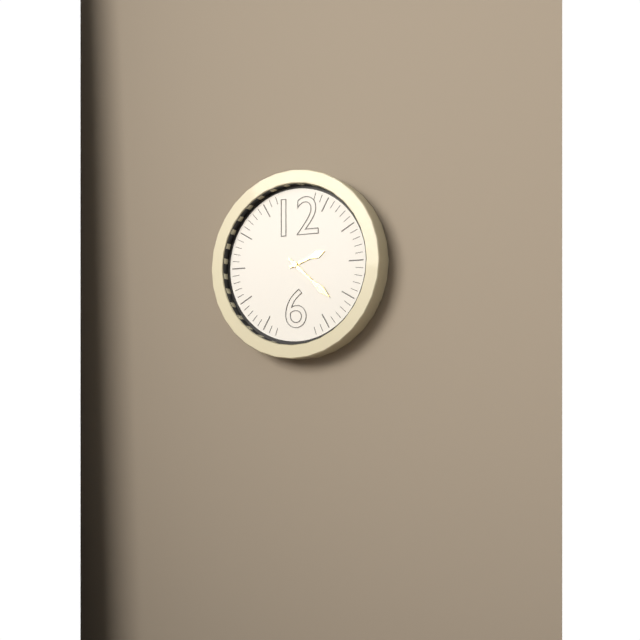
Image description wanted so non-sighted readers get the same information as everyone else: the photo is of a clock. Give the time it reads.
2:22
